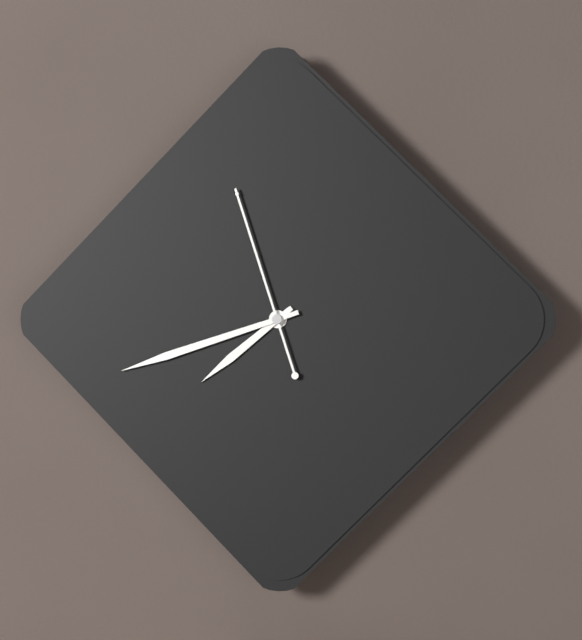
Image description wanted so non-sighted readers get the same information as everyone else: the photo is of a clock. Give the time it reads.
7:42:57
